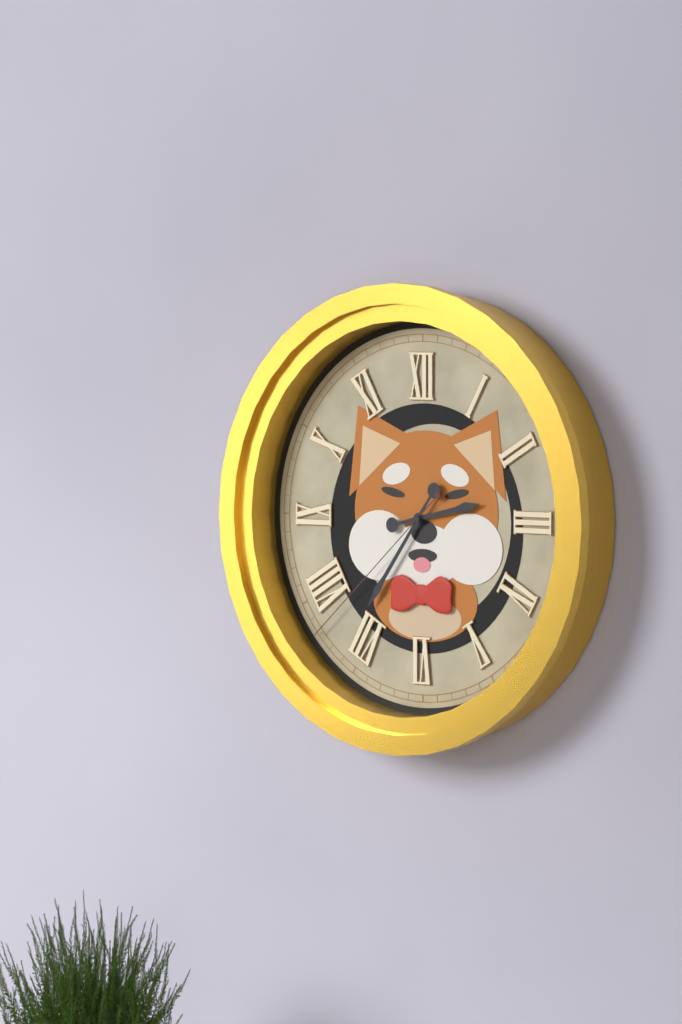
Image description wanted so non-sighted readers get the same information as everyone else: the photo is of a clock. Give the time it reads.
2:36:38
